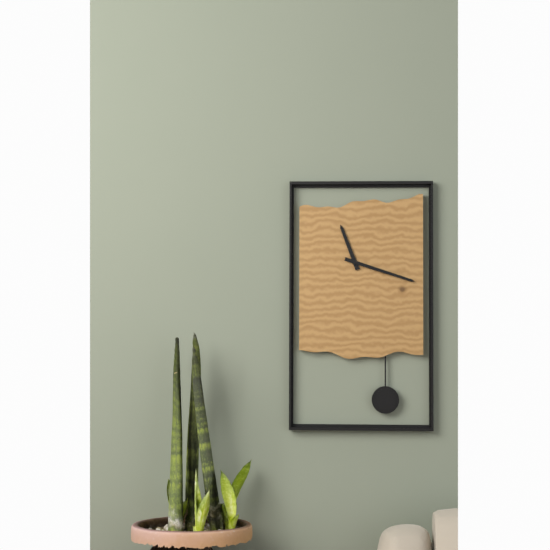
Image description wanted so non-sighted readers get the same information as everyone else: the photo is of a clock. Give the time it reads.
11:18
